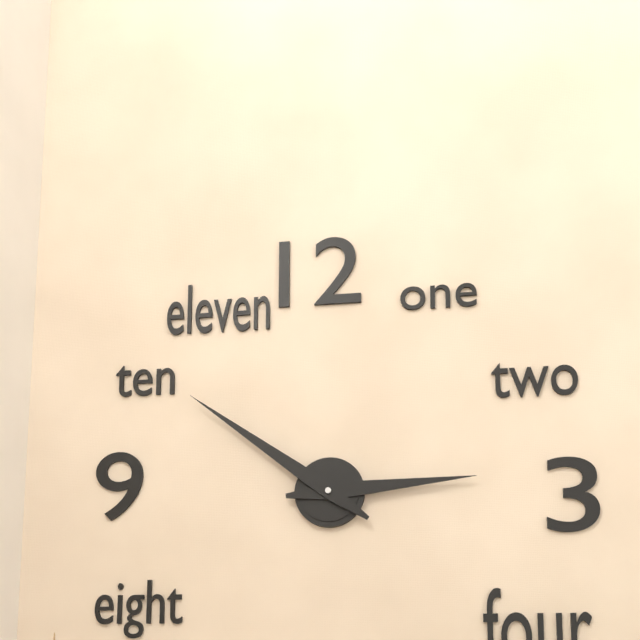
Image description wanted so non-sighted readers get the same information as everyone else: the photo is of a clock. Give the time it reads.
2:51
